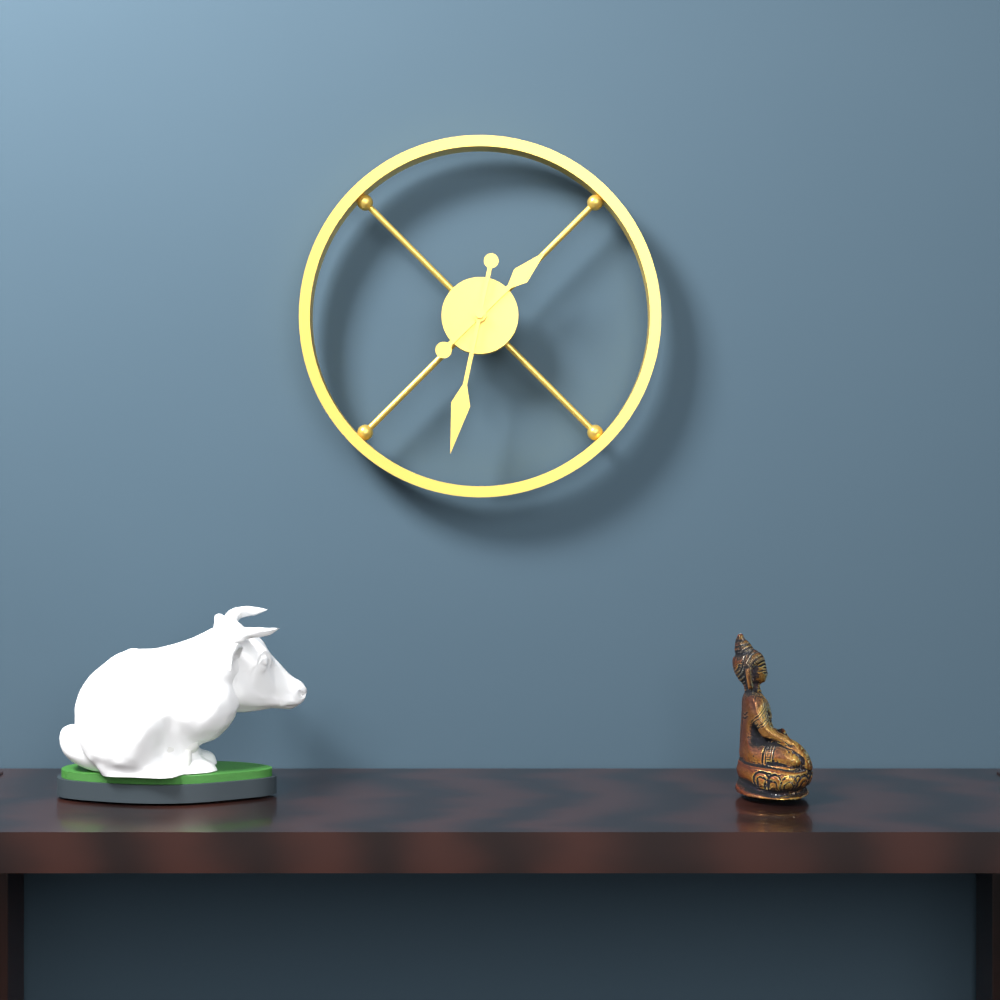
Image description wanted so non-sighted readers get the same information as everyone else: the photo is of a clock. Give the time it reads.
1:32
